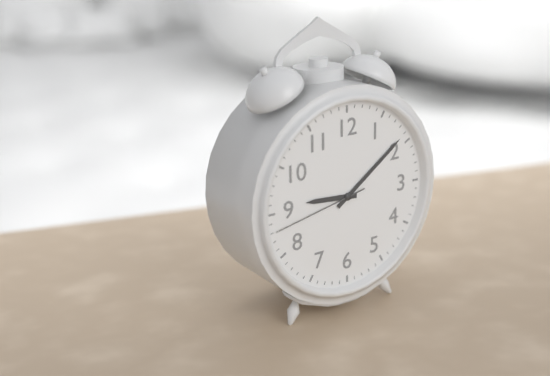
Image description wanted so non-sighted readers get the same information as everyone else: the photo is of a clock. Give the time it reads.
9:09:43
